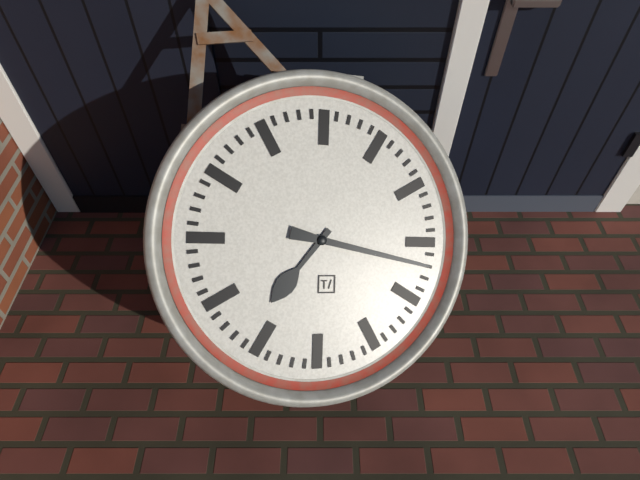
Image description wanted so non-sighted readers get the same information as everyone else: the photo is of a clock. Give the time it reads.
7:17
